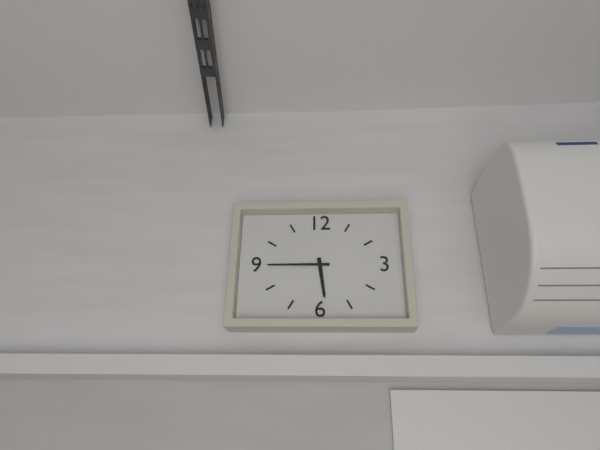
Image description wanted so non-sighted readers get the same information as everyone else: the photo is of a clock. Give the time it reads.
5:45
